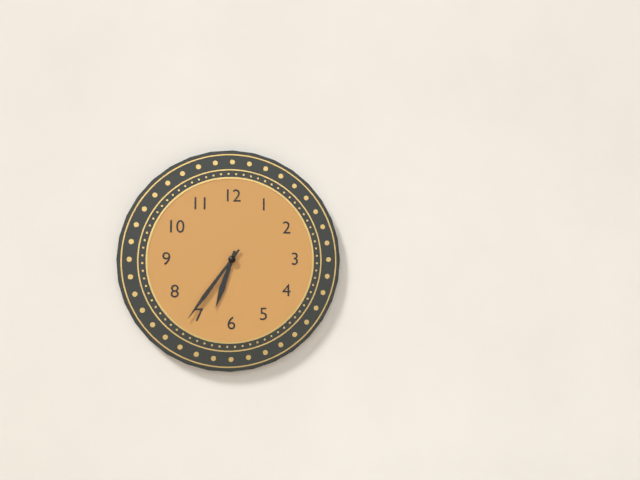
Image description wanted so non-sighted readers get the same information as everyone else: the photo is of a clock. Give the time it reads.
6:36
